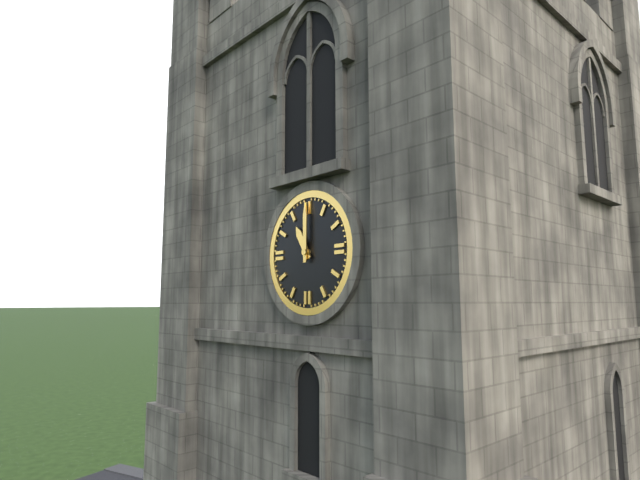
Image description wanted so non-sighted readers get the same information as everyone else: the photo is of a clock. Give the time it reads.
11:00
